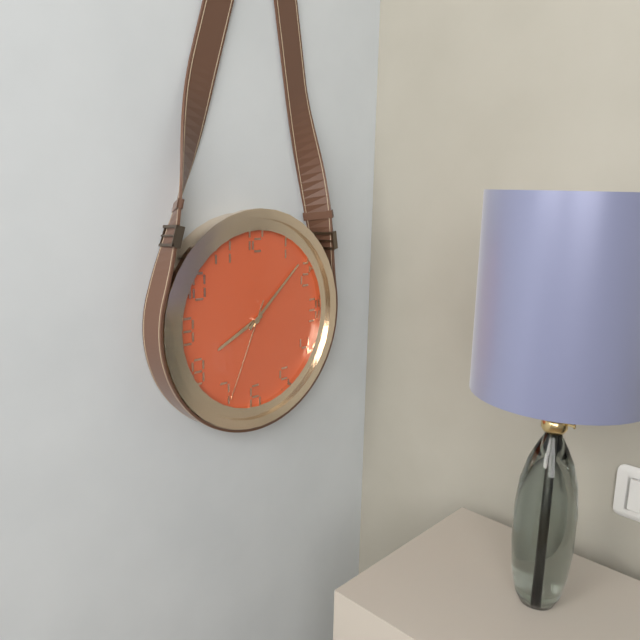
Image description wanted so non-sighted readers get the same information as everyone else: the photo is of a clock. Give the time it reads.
8:08:34
